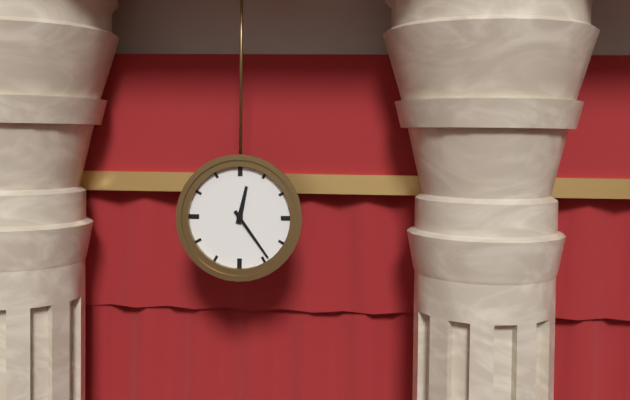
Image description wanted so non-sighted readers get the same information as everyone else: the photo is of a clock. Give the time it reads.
12:24
